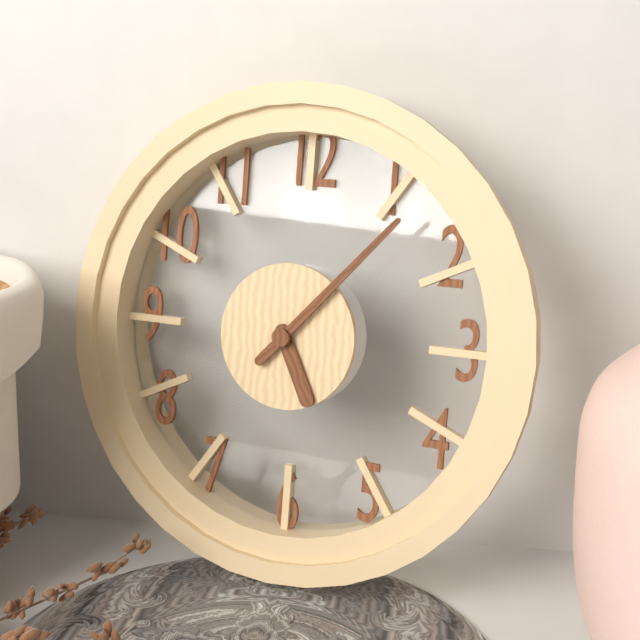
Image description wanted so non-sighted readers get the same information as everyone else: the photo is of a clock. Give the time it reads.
5:07
